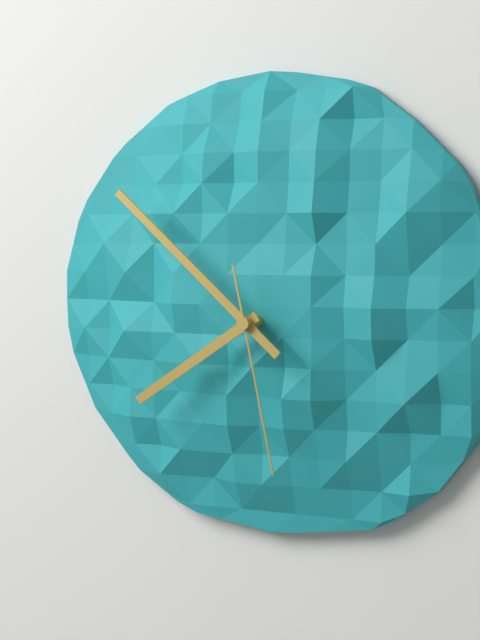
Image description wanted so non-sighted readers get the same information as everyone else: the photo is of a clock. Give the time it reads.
7:52:28
